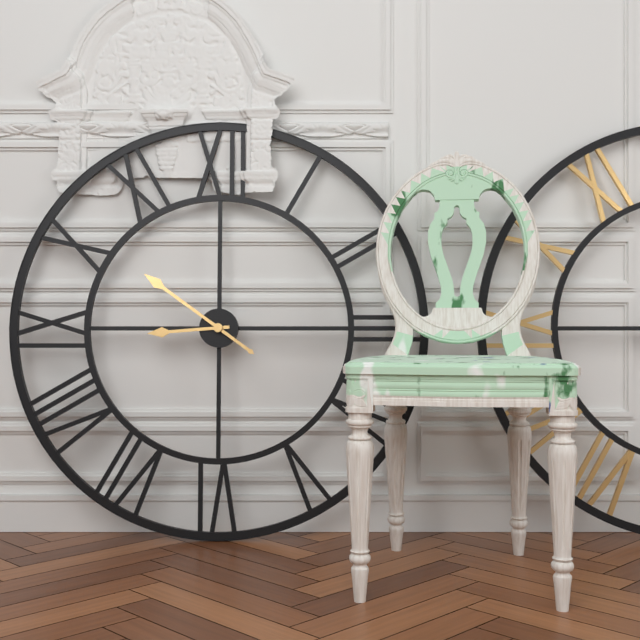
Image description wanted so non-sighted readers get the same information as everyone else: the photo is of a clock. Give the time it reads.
8:51
